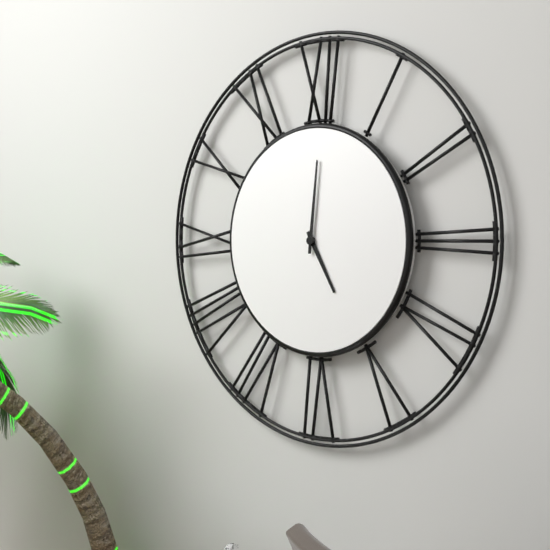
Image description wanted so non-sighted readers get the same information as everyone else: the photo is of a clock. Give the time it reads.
5:01
